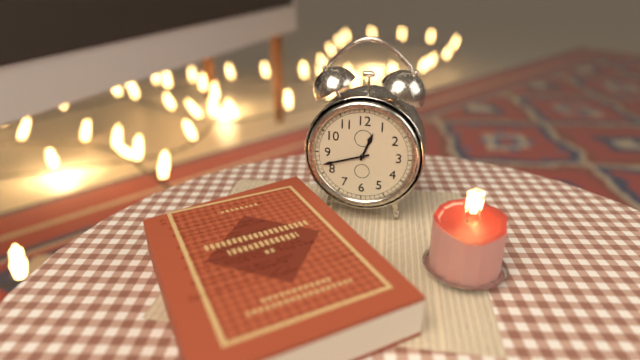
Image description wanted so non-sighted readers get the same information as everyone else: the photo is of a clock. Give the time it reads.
12:42
